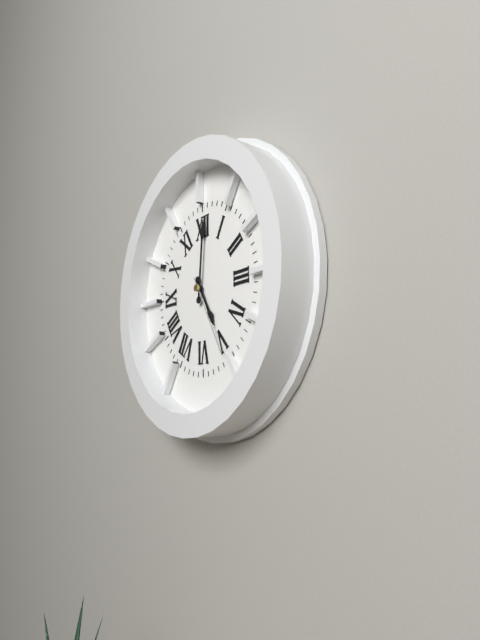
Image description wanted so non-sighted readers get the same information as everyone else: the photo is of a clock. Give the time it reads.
5:01:25
